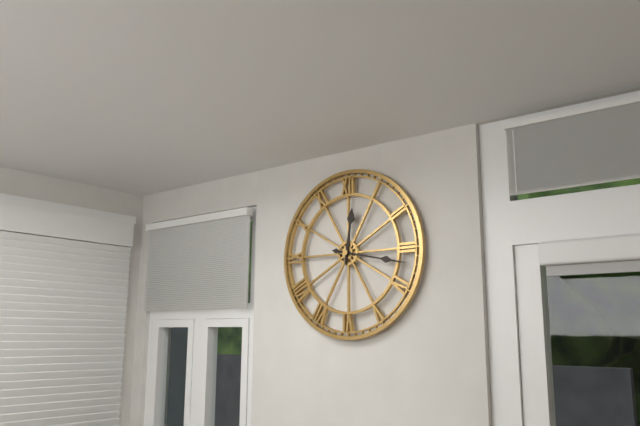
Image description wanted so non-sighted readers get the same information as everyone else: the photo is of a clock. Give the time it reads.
12:17
